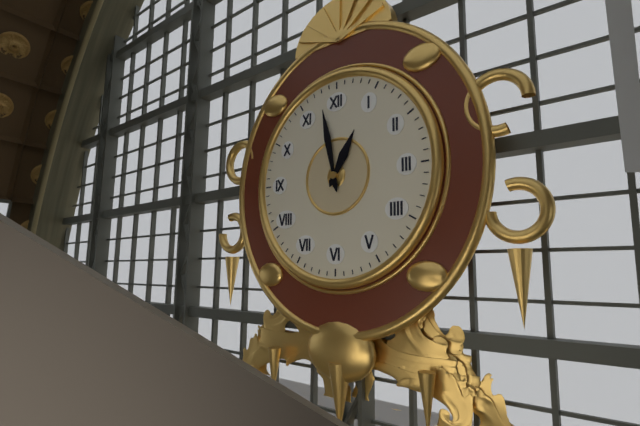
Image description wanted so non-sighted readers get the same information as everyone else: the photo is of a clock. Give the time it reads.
12:58
